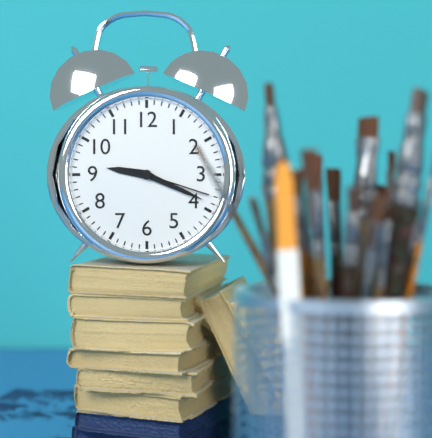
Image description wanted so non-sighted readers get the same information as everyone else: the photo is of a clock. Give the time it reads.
9:19:18
